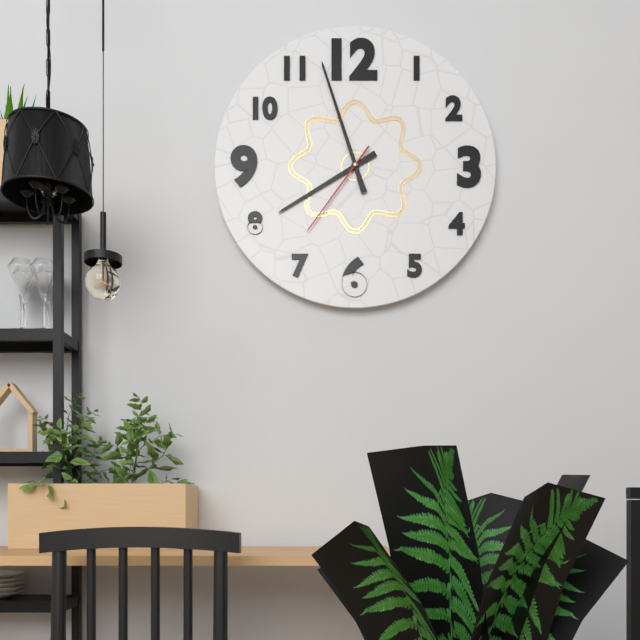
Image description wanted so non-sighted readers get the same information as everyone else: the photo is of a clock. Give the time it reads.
7:57:36
